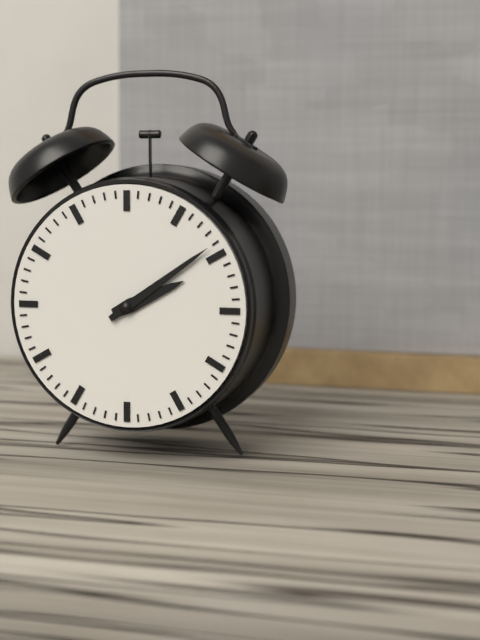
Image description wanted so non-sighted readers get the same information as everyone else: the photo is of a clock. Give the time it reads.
2:09
